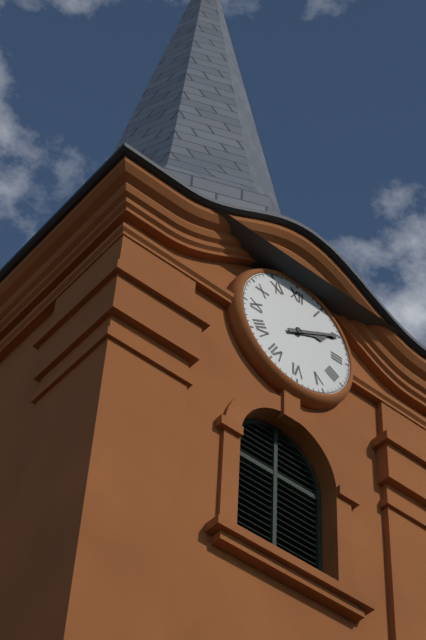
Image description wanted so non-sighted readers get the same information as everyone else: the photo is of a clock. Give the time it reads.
2:10
